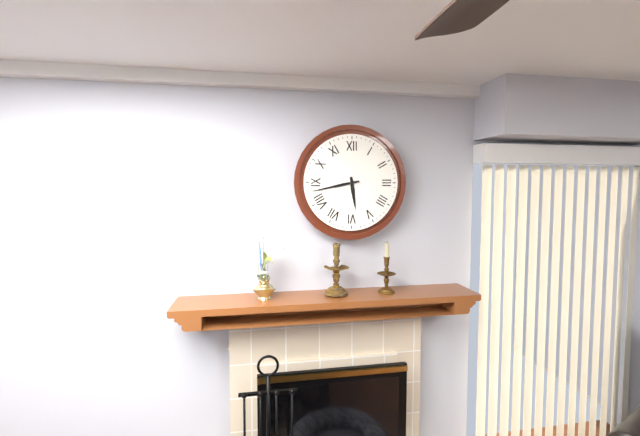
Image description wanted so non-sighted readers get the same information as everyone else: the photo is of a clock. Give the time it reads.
5:43
